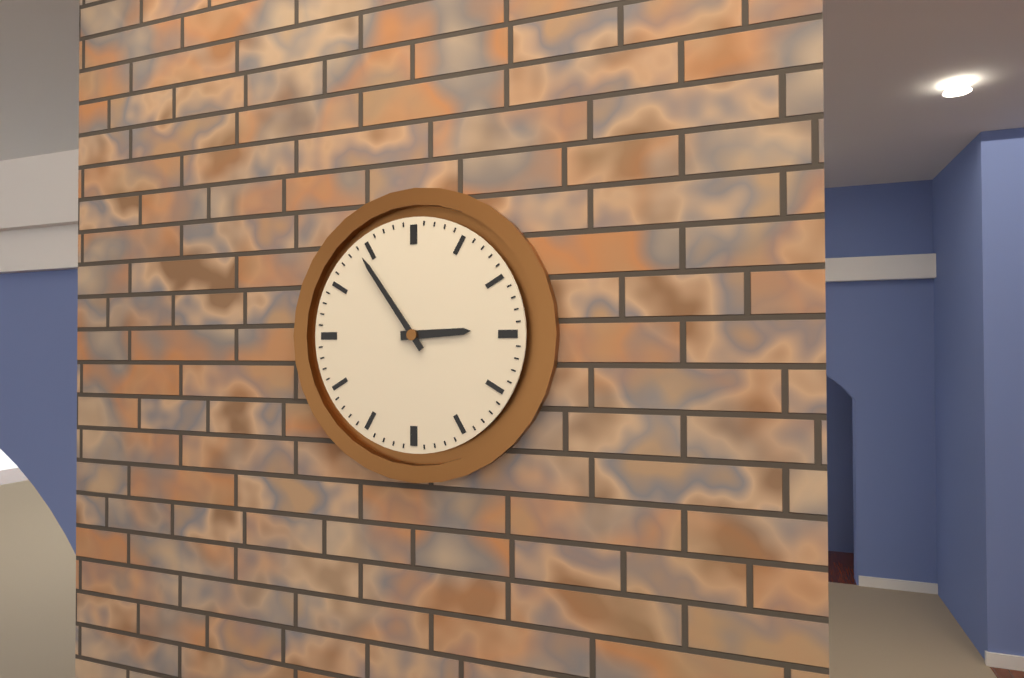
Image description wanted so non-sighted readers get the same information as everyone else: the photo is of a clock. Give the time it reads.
2:54
